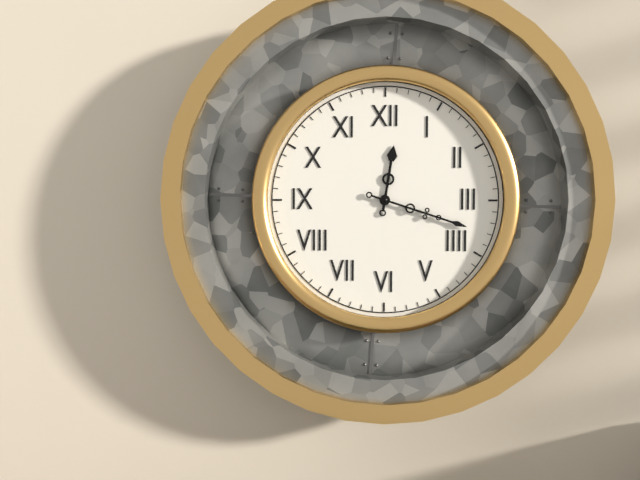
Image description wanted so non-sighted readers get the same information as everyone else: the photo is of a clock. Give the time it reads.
12:18
